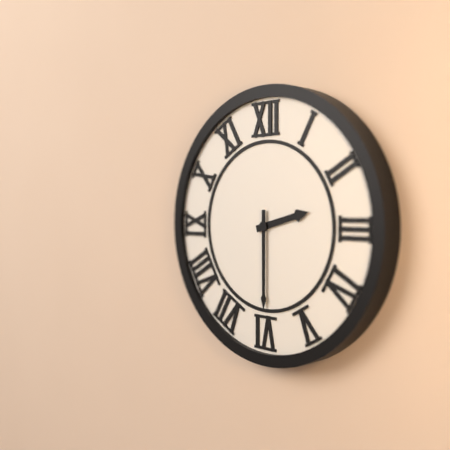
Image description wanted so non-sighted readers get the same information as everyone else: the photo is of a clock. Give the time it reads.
2:30
